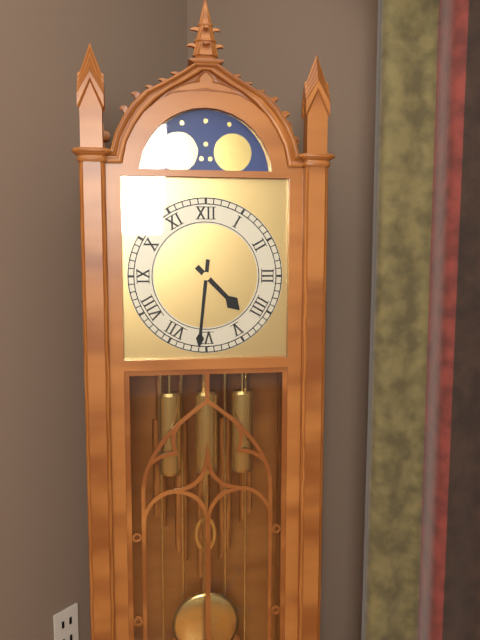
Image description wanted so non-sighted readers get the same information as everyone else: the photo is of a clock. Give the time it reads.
4:31
